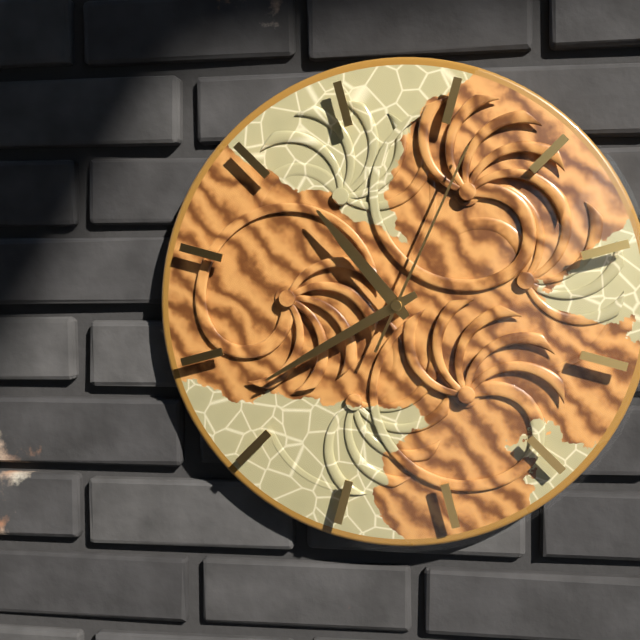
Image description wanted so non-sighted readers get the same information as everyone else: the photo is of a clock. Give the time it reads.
10:40:04
